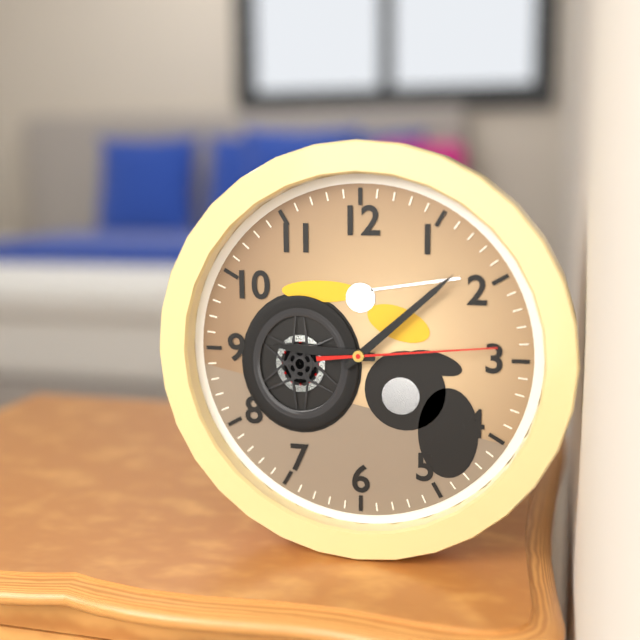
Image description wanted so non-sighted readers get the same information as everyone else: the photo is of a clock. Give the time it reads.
9:08:14
